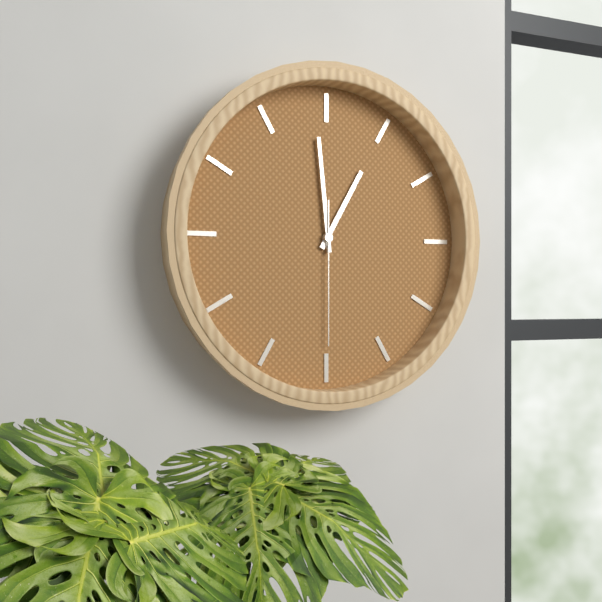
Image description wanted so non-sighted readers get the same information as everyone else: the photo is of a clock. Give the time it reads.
12:59:30
